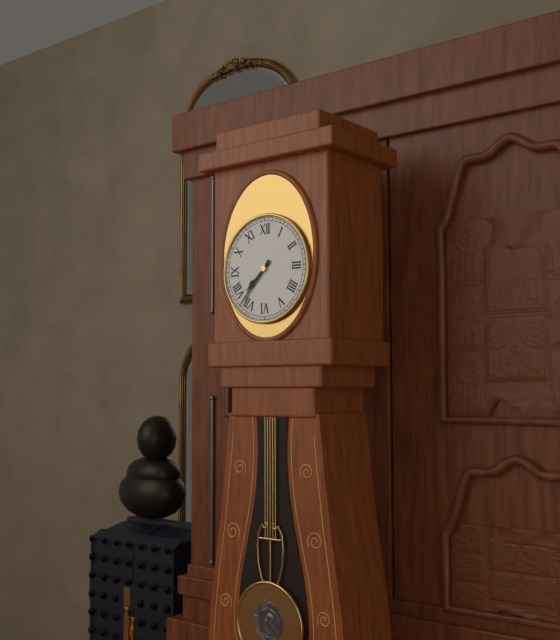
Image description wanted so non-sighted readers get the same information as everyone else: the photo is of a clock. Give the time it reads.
7:37
